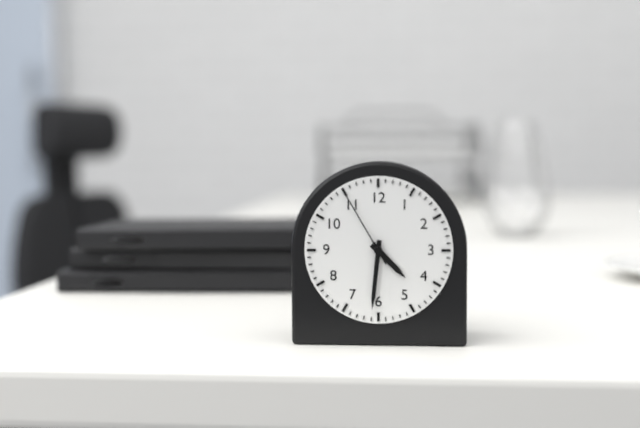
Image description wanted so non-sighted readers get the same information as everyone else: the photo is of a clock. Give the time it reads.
4:31:55
